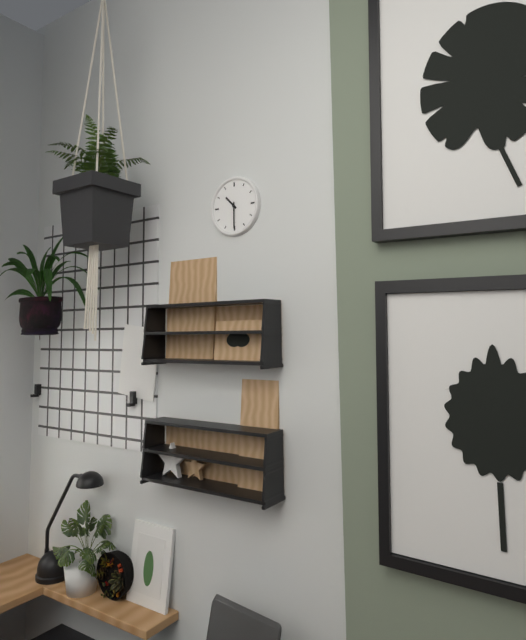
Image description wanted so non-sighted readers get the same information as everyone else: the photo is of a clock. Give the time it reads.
10:30
